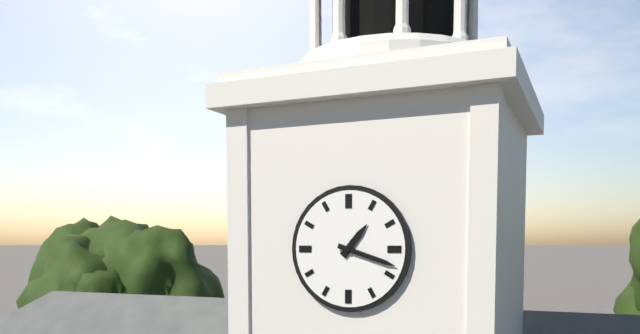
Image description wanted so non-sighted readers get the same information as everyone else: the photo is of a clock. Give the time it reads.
1:18
